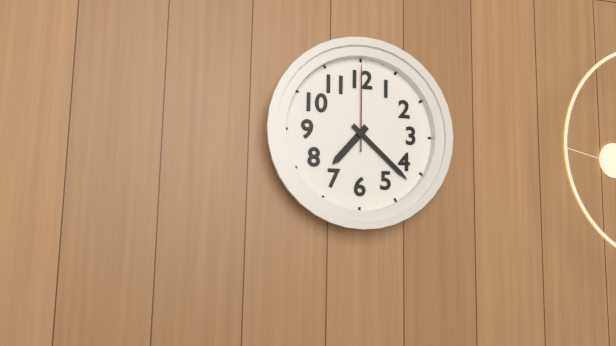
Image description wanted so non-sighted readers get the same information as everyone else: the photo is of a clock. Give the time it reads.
7:22:00
